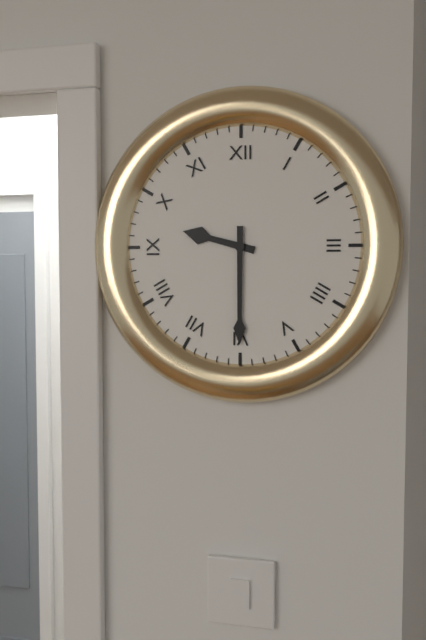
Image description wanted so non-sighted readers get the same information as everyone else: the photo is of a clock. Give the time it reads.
9:30
